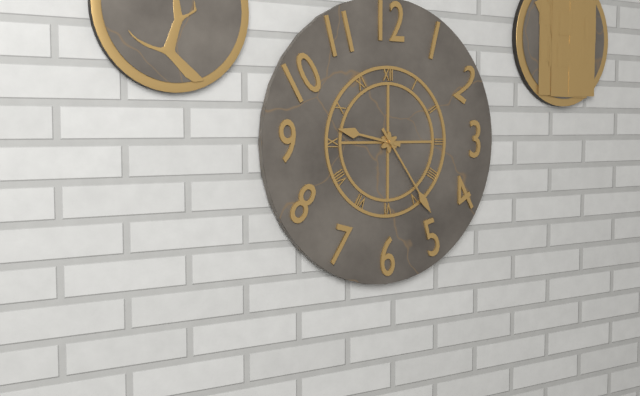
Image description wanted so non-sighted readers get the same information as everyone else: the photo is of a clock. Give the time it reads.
9:24
